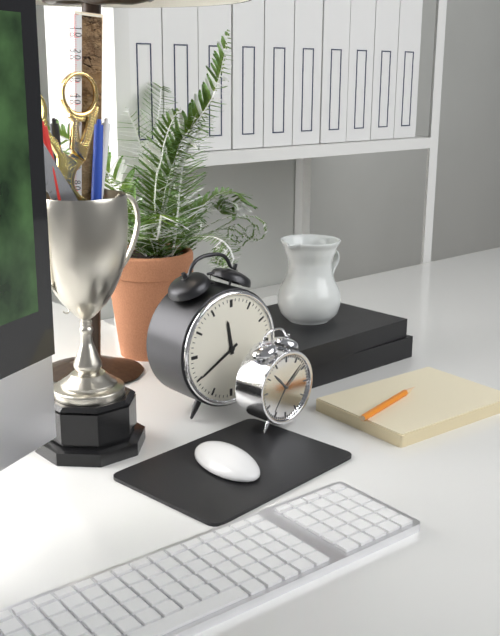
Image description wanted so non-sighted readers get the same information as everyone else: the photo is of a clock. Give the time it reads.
11:40
